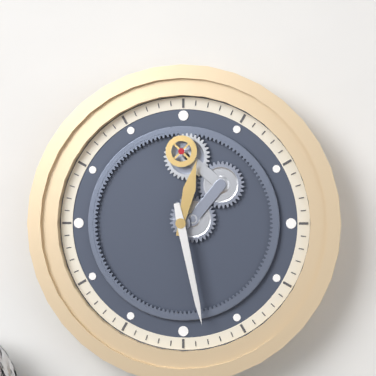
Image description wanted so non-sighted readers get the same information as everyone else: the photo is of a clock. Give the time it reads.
12:28
